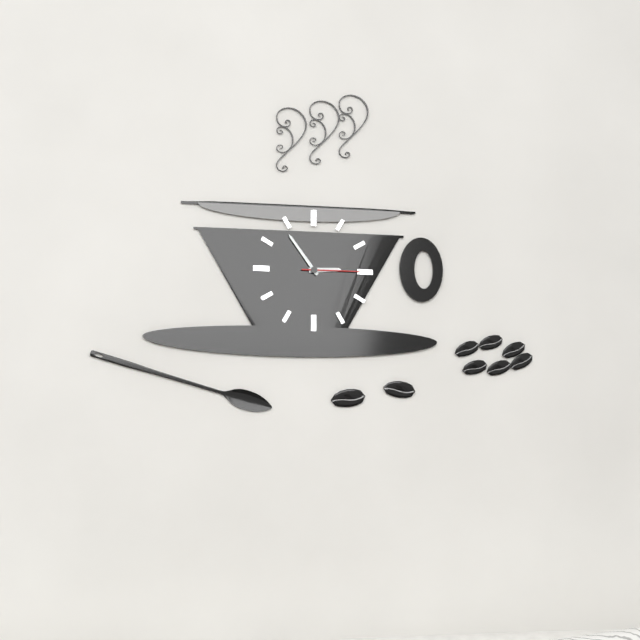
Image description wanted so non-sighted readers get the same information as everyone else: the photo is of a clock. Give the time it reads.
2:54:15
